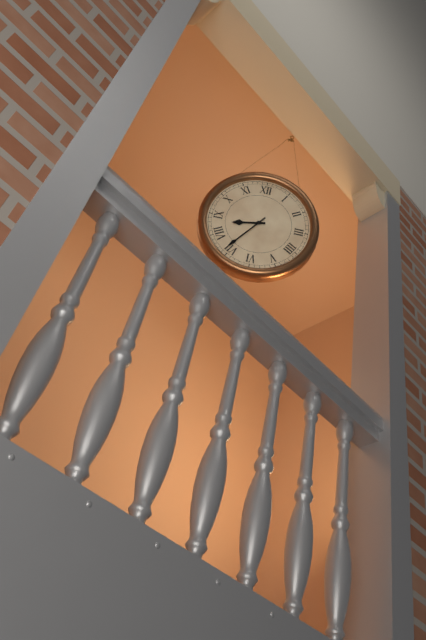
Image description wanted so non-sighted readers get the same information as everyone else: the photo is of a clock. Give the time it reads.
8:36
